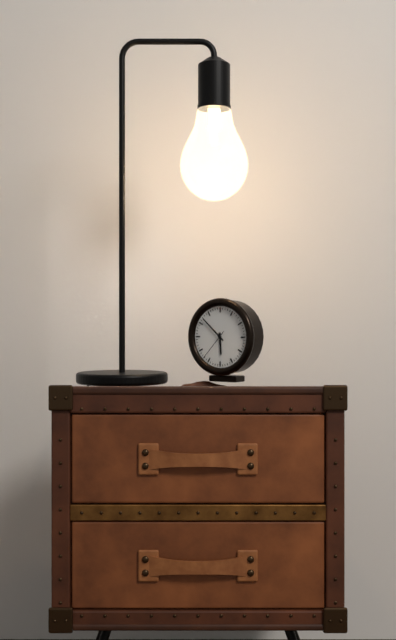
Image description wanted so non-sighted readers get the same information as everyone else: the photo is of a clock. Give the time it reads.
5:52
